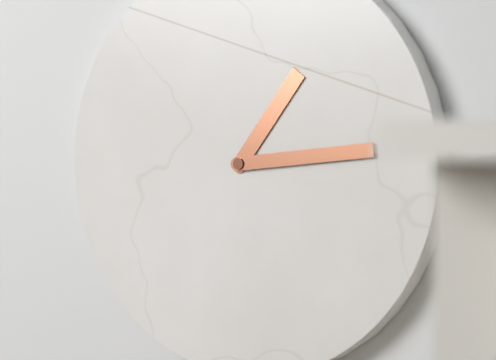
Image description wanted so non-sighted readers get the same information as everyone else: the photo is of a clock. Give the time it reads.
1:14
